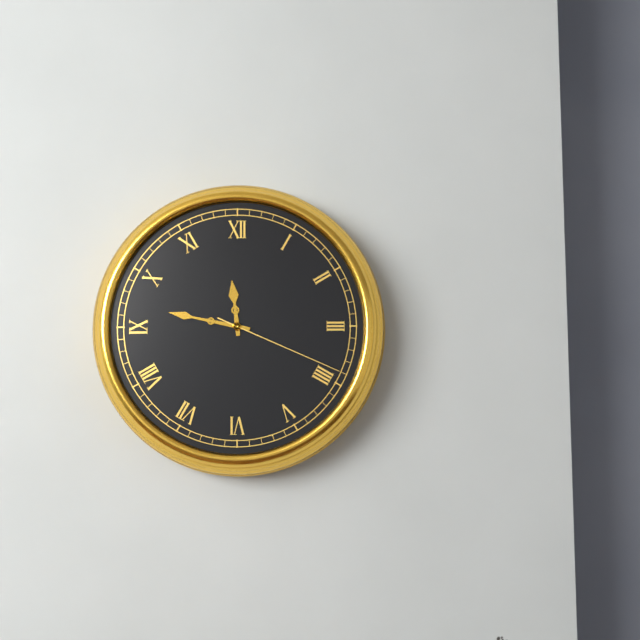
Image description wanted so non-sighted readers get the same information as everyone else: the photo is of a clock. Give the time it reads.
11:47:19
